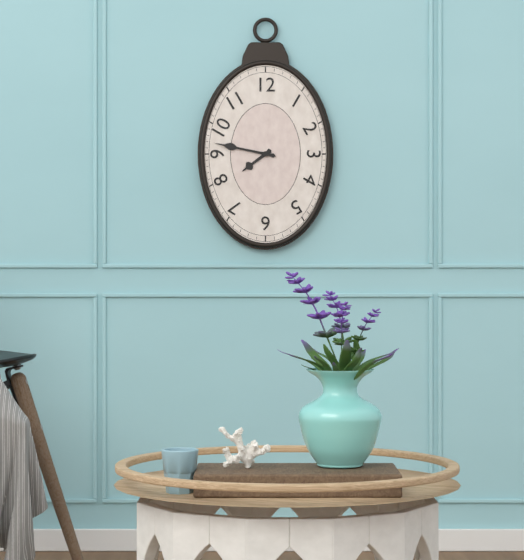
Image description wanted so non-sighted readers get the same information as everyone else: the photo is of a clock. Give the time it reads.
7:47
